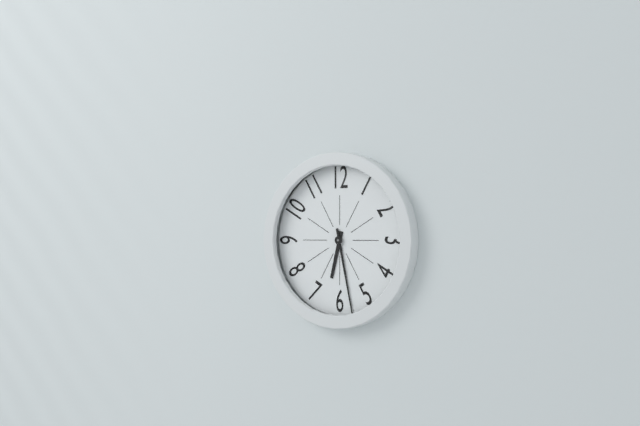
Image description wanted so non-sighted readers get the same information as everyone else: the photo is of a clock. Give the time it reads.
6:28
